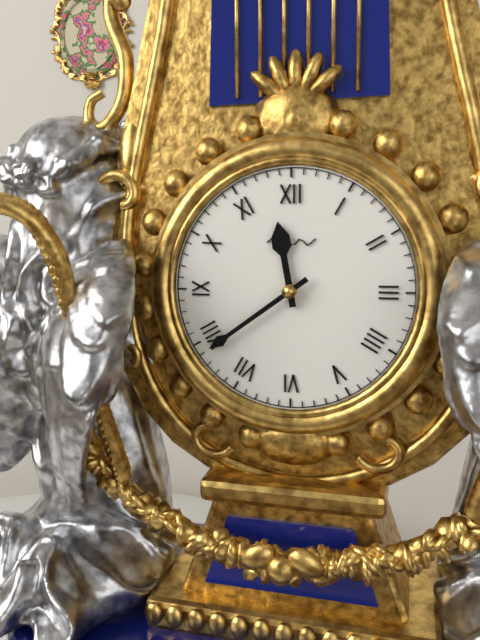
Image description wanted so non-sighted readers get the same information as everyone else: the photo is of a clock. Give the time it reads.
11:39
